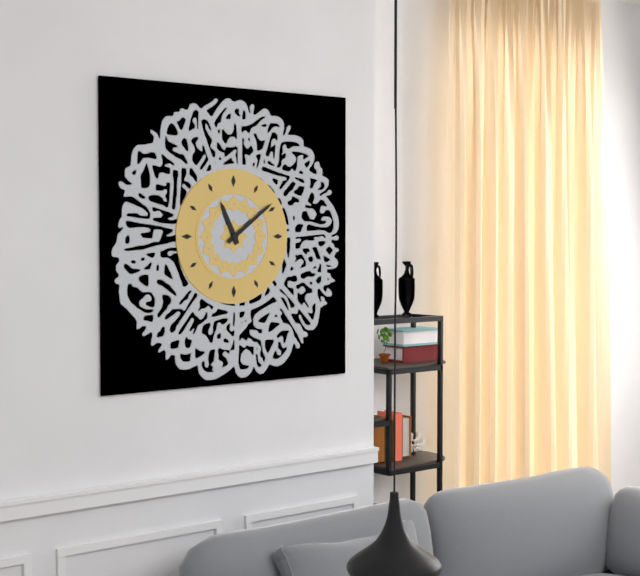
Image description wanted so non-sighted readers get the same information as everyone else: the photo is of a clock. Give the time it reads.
11:09
